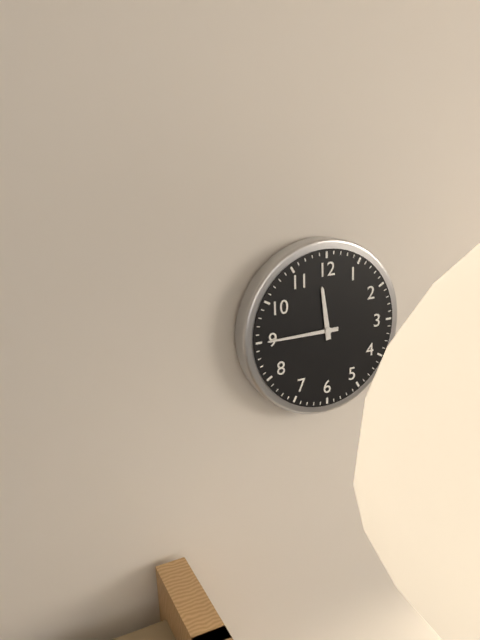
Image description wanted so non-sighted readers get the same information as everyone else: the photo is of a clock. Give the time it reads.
11:45
